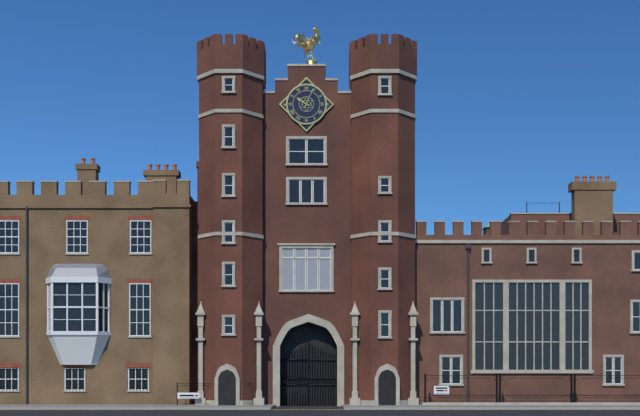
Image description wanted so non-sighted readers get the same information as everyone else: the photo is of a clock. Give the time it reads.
10:04
